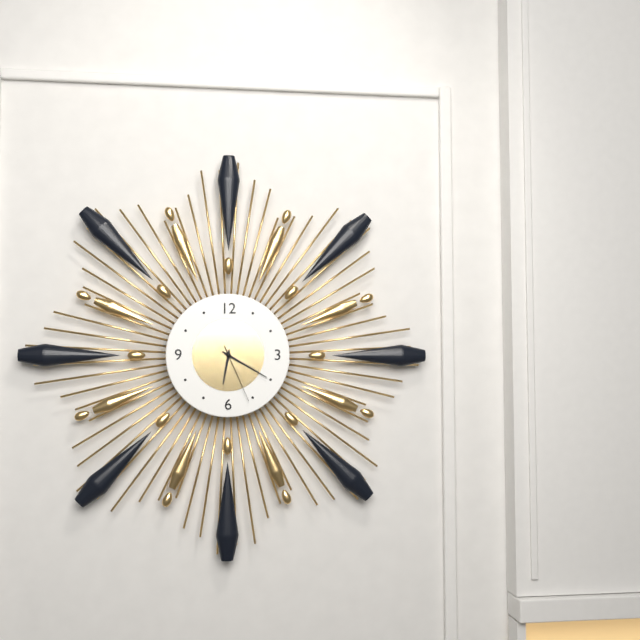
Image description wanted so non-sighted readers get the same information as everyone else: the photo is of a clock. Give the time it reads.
6:20:26
